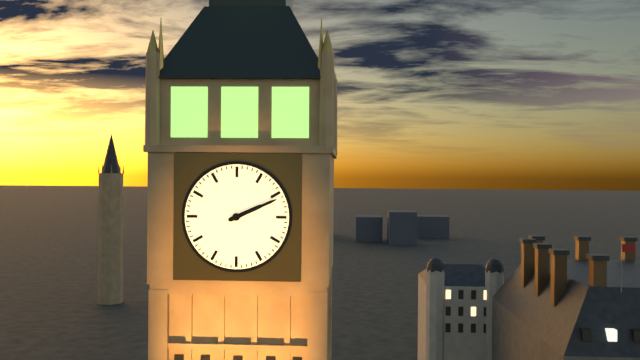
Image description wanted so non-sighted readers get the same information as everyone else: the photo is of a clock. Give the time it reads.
2:11
